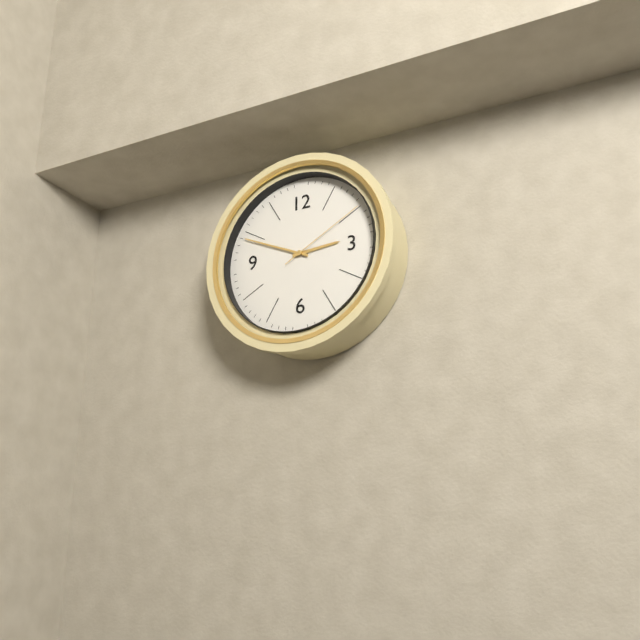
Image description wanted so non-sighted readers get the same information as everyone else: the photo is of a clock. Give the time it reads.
2:49:10
